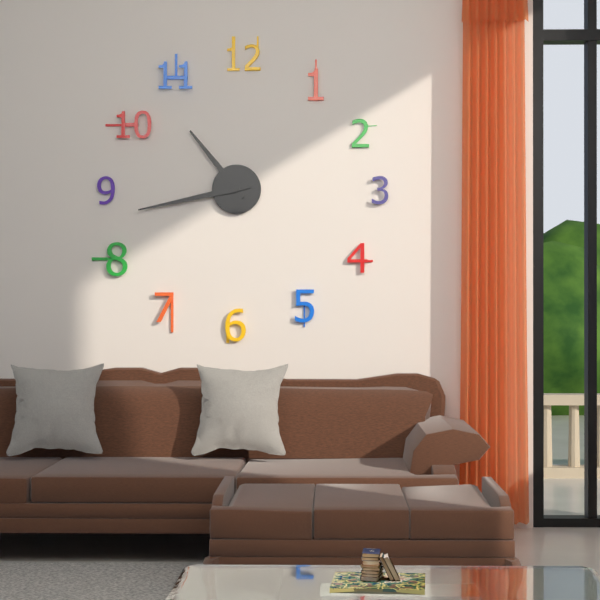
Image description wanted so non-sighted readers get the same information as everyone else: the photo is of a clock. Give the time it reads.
10:43
